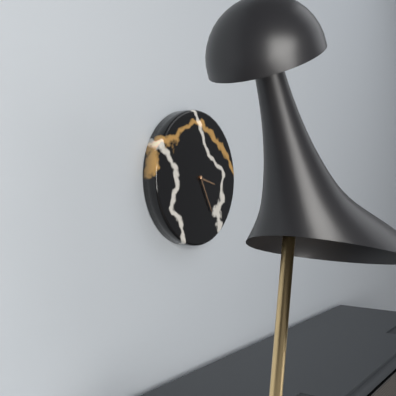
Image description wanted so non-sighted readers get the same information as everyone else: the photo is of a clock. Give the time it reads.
3:25
